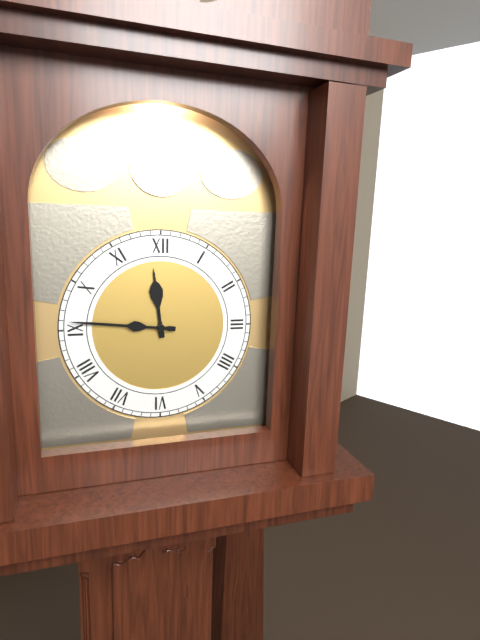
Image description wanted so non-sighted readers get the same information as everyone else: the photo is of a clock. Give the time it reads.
11:46
